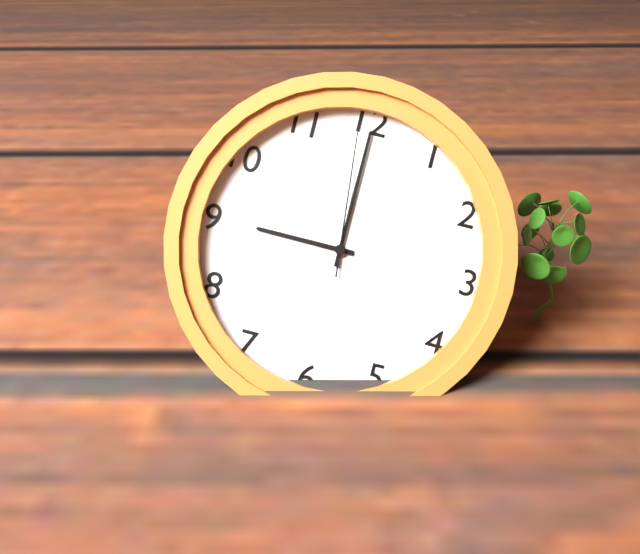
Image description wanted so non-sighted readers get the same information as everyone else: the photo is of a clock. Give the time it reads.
9:00:59
